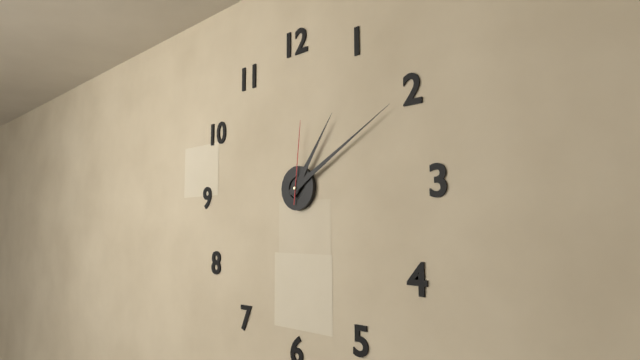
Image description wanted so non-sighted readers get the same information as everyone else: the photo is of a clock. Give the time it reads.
1:10:01
